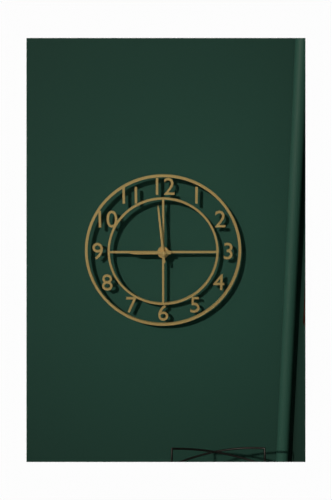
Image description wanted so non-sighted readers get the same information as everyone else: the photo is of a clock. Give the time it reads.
8:59
